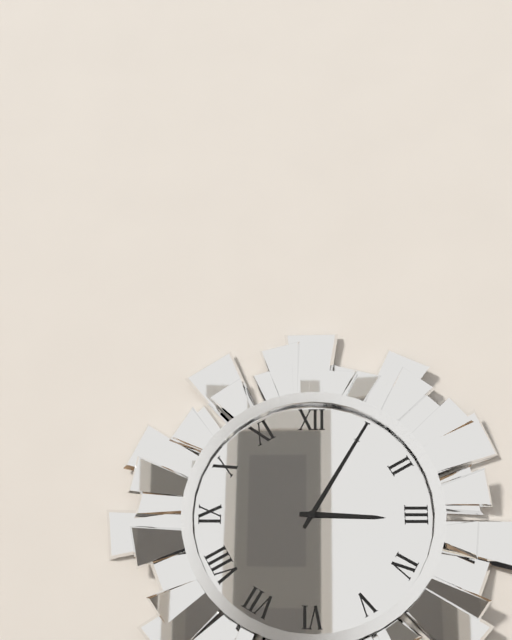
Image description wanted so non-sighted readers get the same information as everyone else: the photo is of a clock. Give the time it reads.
3:05
